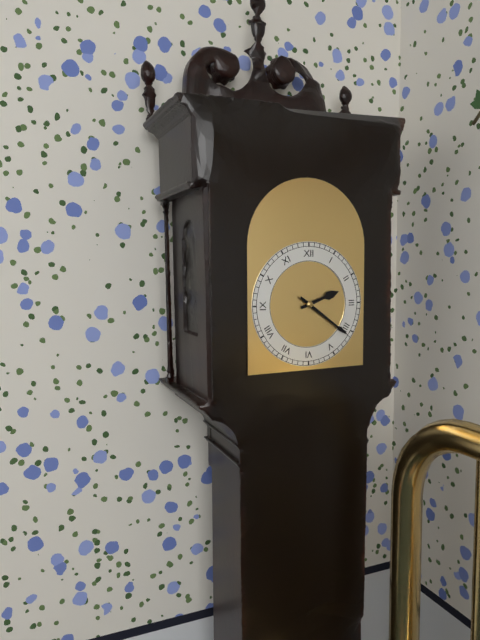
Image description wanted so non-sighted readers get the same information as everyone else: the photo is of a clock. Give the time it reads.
2:21
